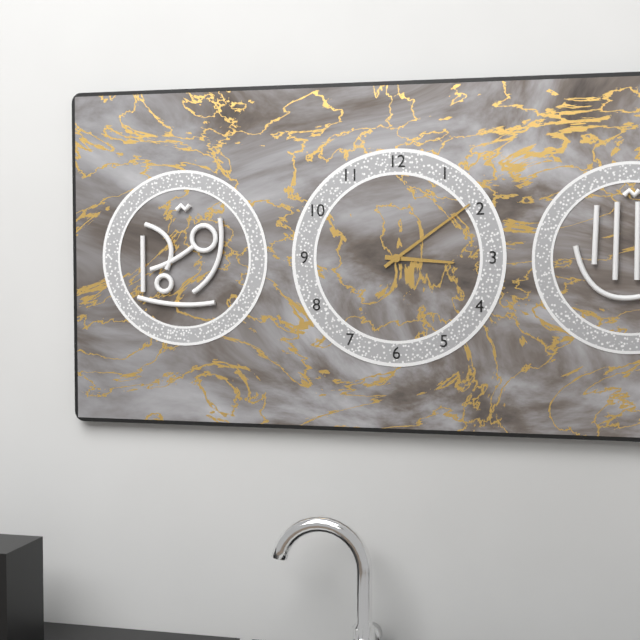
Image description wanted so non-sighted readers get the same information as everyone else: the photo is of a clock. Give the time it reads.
3:09
